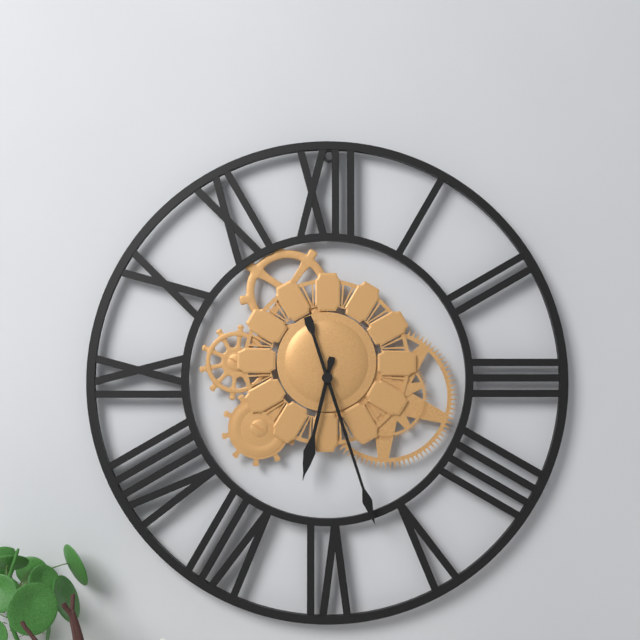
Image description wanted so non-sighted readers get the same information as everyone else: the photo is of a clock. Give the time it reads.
6:27
